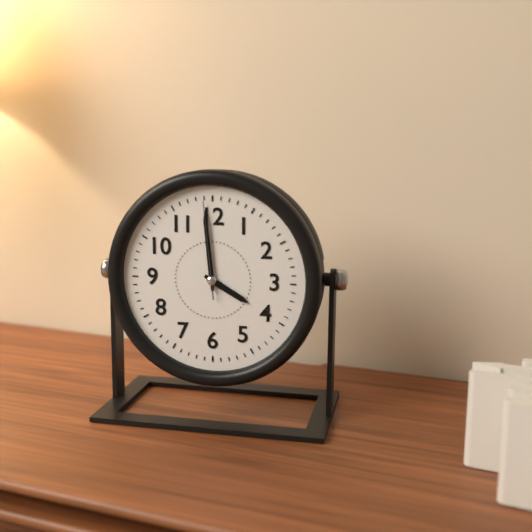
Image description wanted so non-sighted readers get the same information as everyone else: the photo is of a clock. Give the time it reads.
3:59:59
